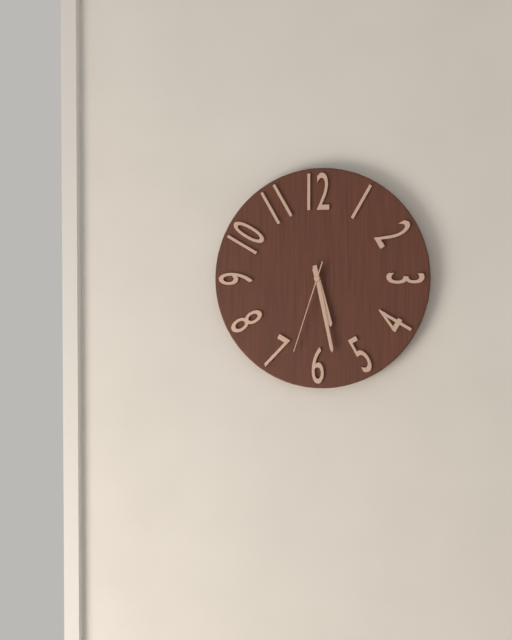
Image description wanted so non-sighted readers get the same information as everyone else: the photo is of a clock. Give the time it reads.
5:28:33
